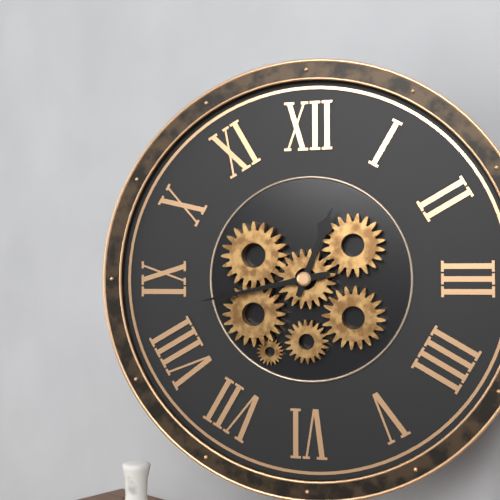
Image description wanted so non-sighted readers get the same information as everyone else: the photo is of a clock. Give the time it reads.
12:43
